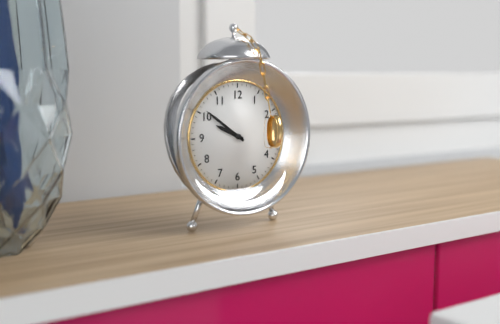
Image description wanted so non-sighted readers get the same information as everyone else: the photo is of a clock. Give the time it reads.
9:51
